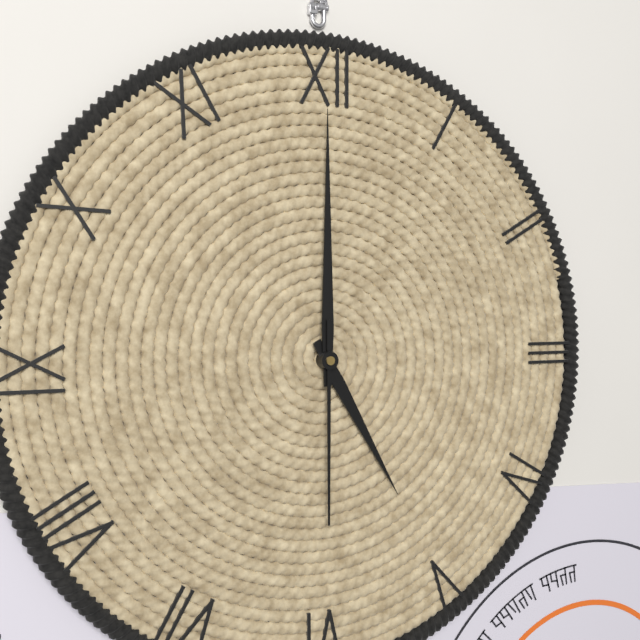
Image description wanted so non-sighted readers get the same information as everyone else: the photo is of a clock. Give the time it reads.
5:00:30
